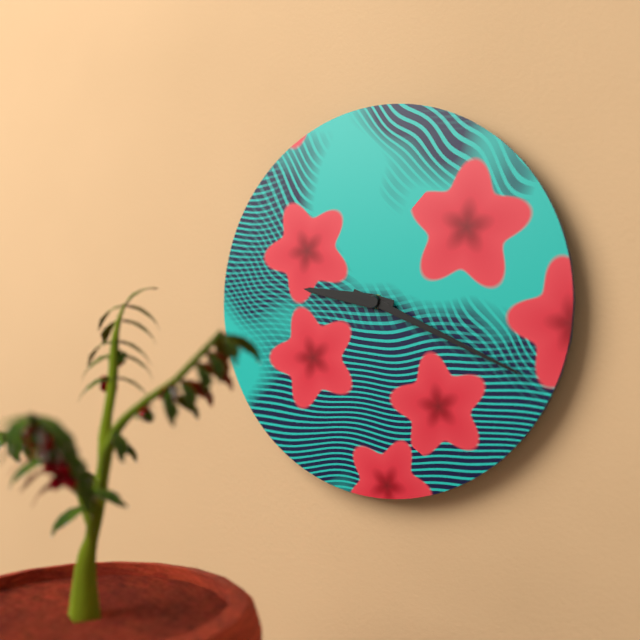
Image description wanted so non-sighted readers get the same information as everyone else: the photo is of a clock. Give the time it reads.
9:19
